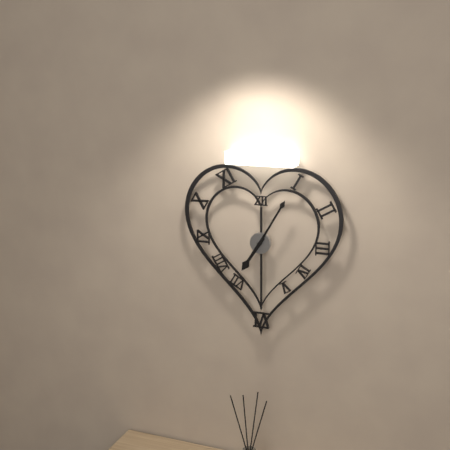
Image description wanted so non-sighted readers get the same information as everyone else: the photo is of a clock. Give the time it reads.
7:05
